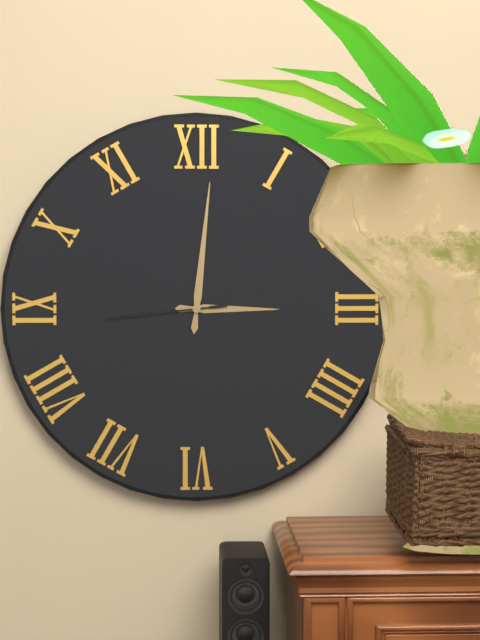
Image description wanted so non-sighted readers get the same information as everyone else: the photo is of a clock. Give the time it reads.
3:01:44
